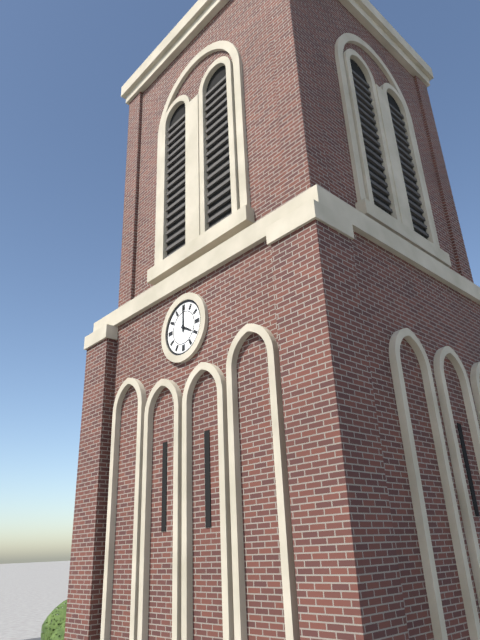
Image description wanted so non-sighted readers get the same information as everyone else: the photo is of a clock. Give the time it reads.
4:00
